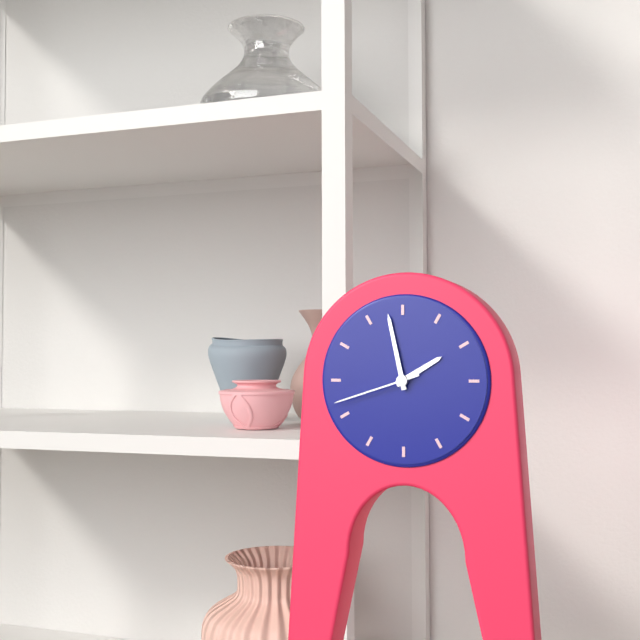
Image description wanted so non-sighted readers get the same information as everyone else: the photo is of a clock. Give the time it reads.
1:58:42
